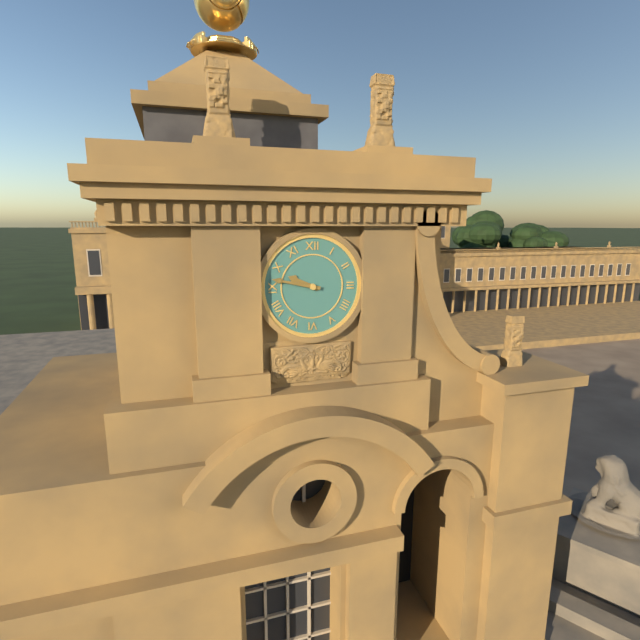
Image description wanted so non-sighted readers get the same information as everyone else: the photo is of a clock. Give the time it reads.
9:47
